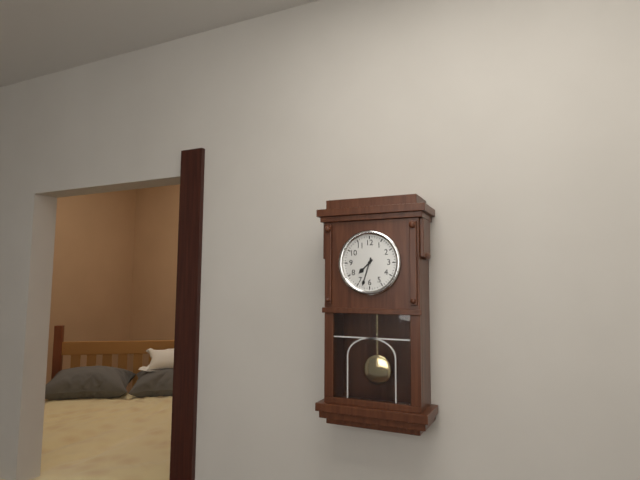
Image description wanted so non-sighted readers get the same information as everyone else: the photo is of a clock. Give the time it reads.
7:33
